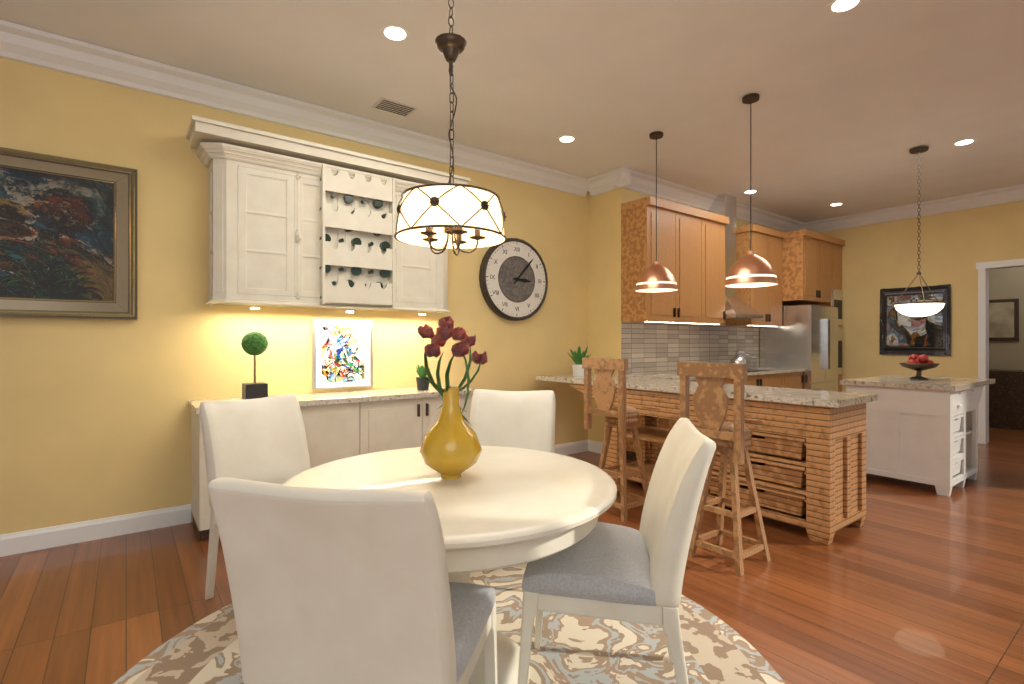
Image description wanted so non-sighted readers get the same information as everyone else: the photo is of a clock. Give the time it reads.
3:07
